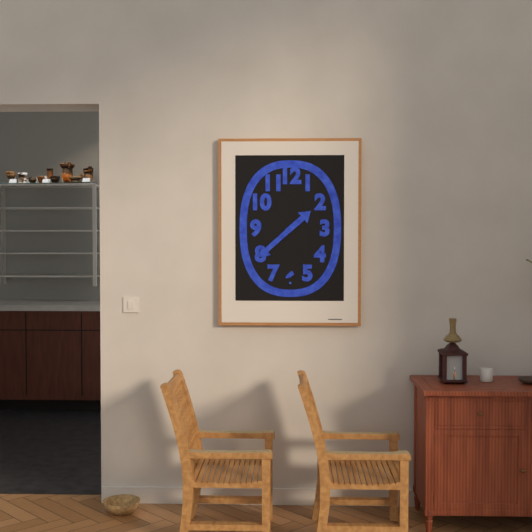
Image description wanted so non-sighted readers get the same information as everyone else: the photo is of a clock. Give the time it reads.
1:38
